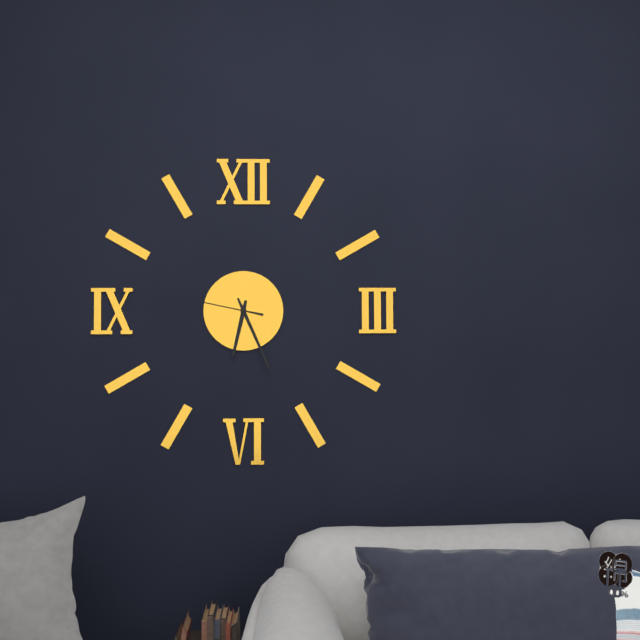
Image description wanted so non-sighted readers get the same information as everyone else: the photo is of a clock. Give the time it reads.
6:26:47
